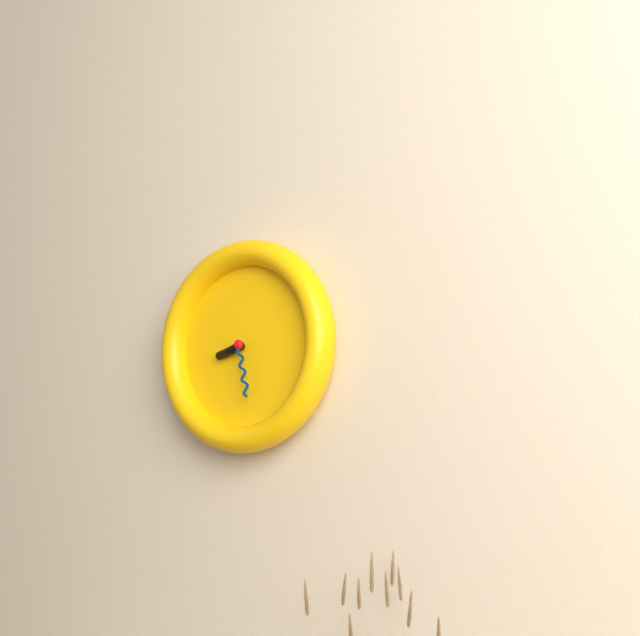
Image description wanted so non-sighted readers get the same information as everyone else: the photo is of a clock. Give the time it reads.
8:28
